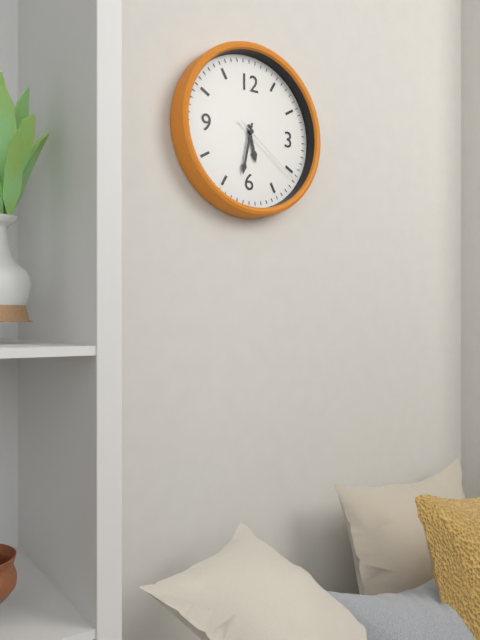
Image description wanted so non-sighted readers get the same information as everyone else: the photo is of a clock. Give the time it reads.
5:32:21
